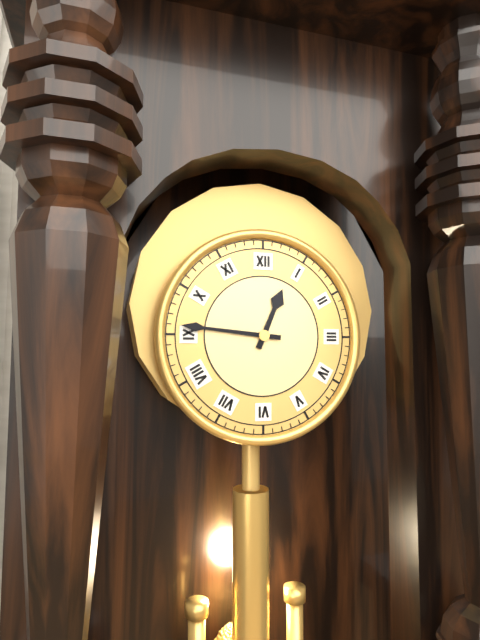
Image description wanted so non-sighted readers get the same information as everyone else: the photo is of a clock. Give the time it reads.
12:46
